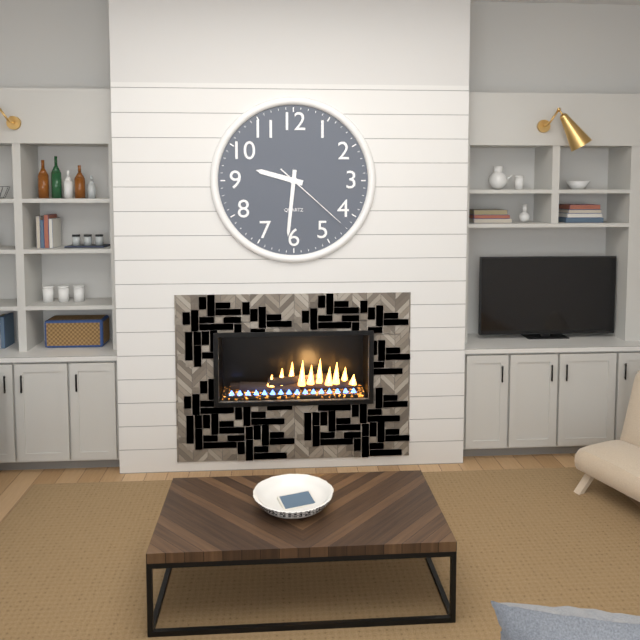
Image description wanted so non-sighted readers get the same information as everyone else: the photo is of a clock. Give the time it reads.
9:31:22
